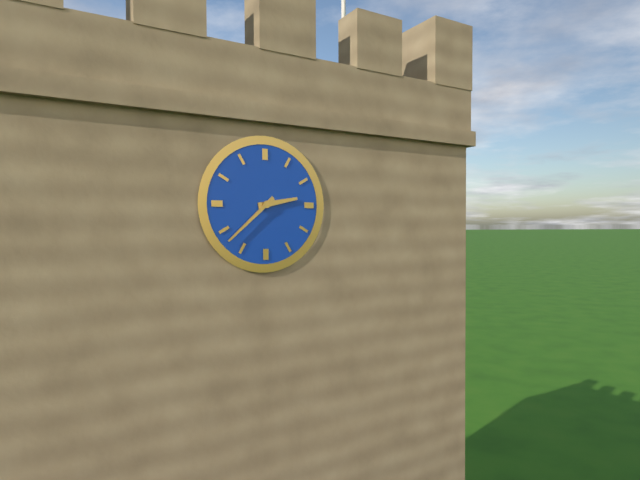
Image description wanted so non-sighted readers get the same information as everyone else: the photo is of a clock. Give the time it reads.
2:38
